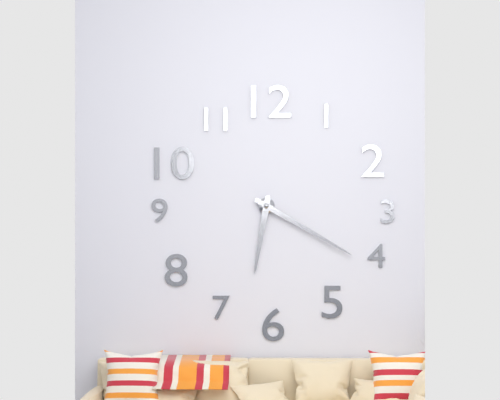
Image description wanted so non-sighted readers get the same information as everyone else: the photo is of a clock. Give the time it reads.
6:20
